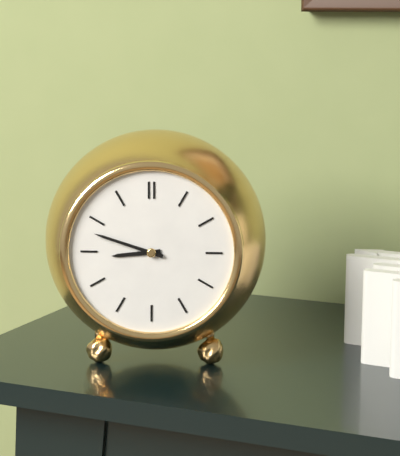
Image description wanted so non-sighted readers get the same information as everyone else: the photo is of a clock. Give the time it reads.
8:48
